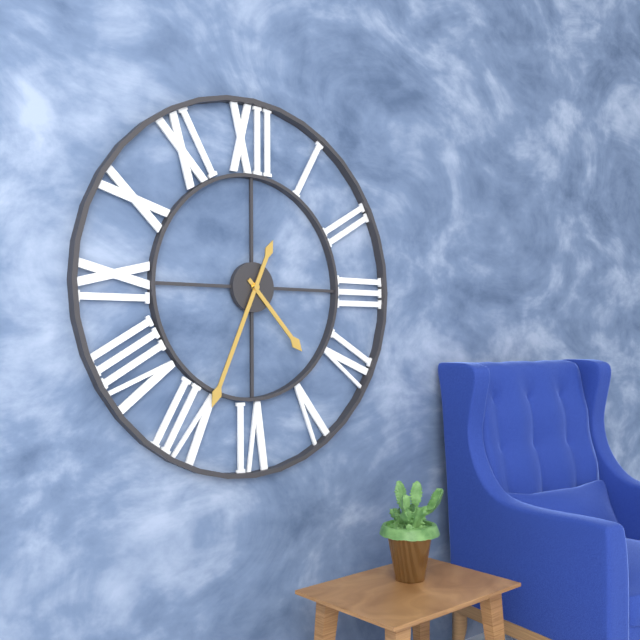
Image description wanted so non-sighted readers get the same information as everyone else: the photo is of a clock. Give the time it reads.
4:34
